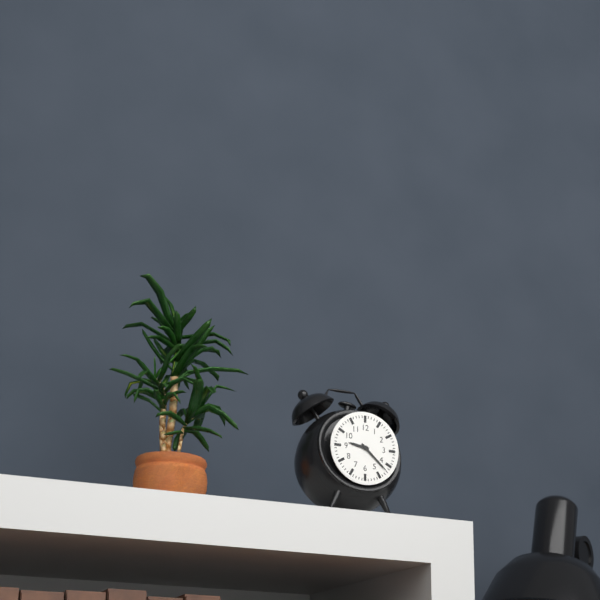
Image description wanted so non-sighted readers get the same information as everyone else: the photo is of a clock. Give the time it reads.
9:22
